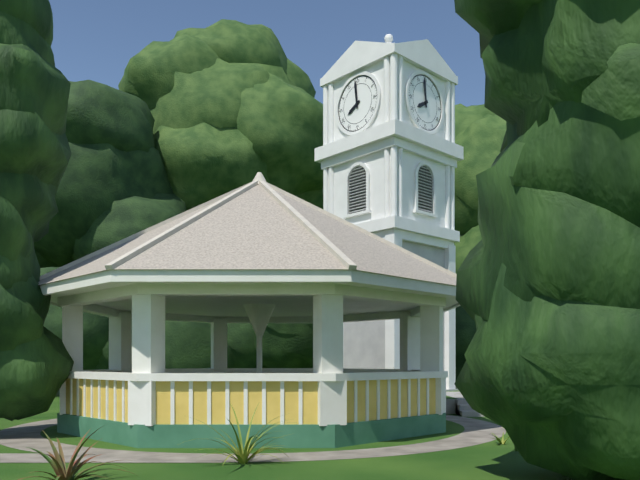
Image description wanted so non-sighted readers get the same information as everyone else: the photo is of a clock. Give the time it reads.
7:59
